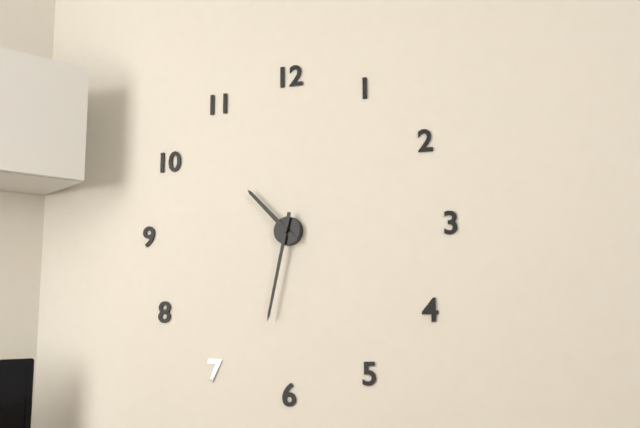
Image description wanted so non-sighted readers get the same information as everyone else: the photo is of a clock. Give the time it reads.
10:32
